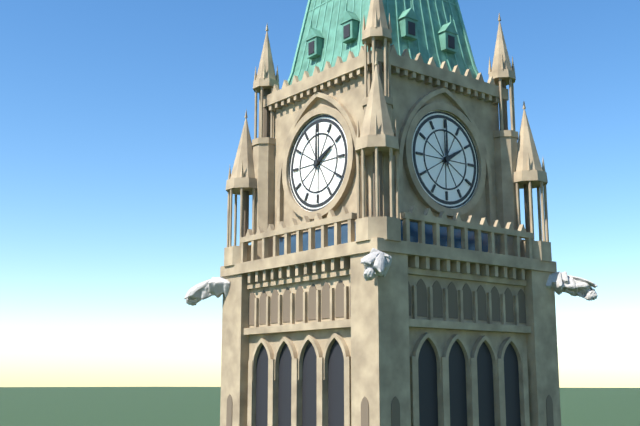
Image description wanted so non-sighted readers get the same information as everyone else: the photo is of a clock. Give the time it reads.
2:00
